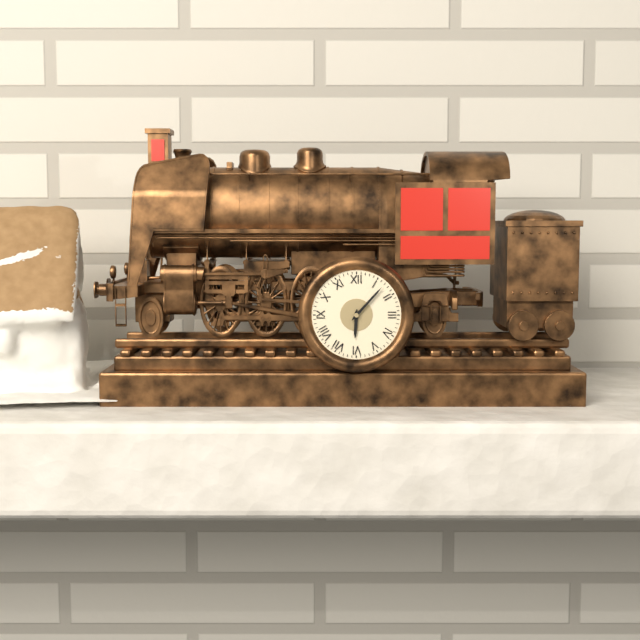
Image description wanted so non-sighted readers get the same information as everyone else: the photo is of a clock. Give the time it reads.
6:07
